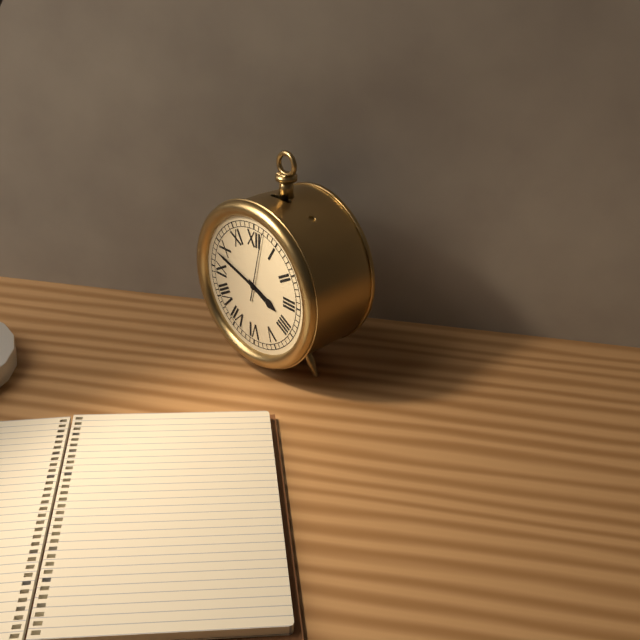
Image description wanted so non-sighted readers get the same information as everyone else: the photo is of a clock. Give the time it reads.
3:48:02
